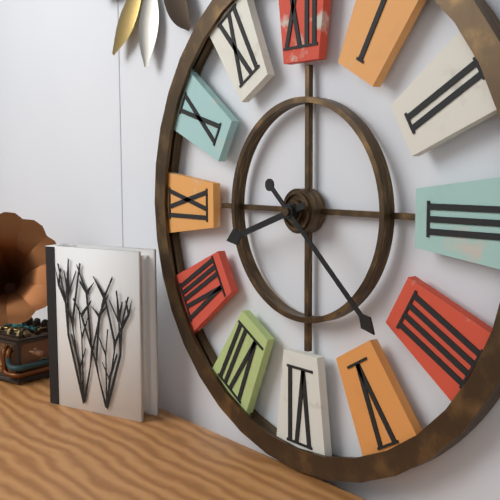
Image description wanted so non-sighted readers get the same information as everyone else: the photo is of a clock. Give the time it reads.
8:22
